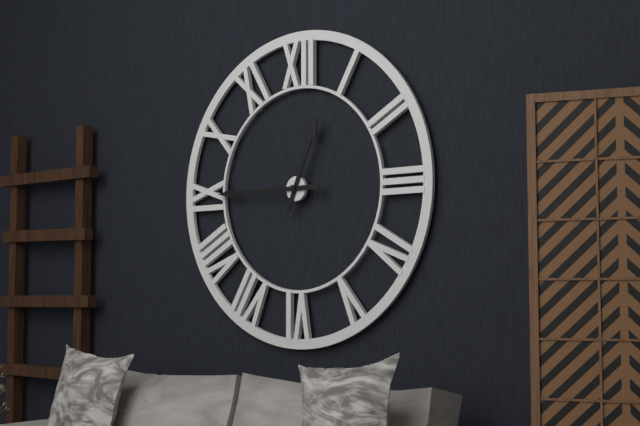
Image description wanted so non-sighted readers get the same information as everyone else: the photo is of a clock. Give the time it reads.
12:45
